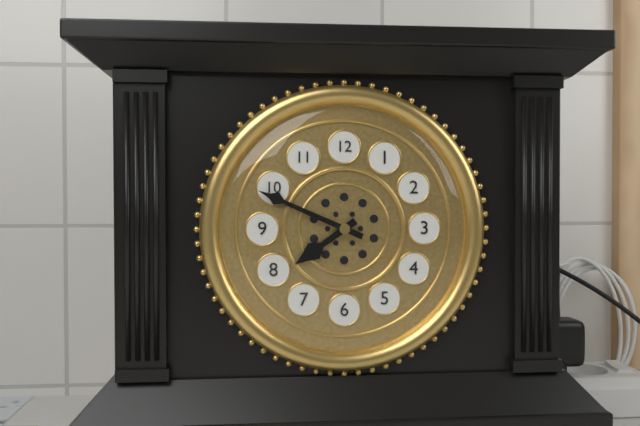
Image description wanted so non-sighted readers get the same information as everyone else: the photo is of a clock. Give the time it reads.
7:49
